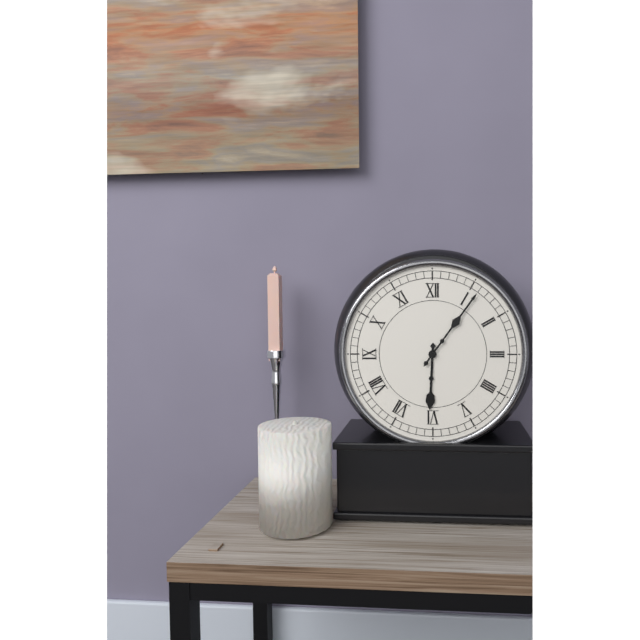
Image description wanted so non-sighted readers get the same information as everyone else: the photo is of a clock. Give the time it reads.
6:06
